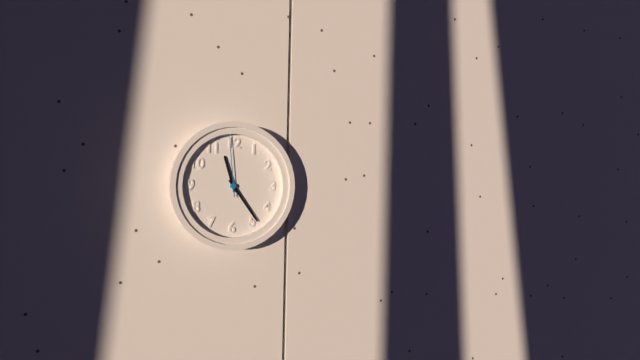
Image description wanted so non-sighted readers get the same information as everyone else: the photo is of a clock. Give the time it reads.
11:24:59
